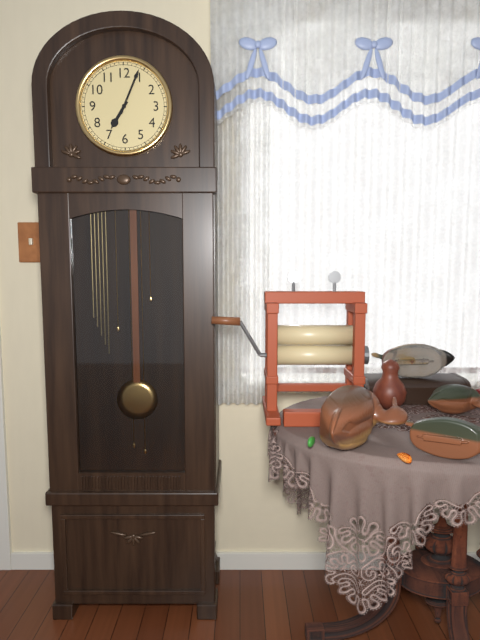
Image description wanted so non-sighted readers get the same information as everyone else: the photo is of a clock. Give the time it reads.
7:04
